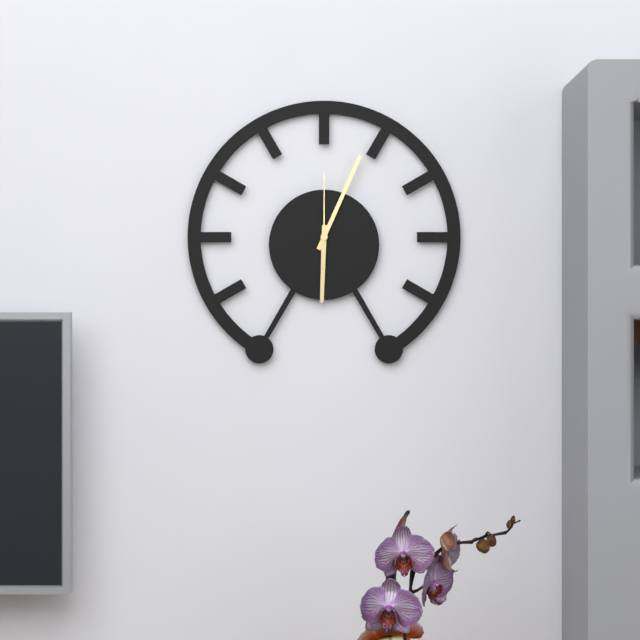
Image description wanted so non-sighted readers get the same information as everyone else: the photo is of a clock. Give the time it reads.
6:04:00
